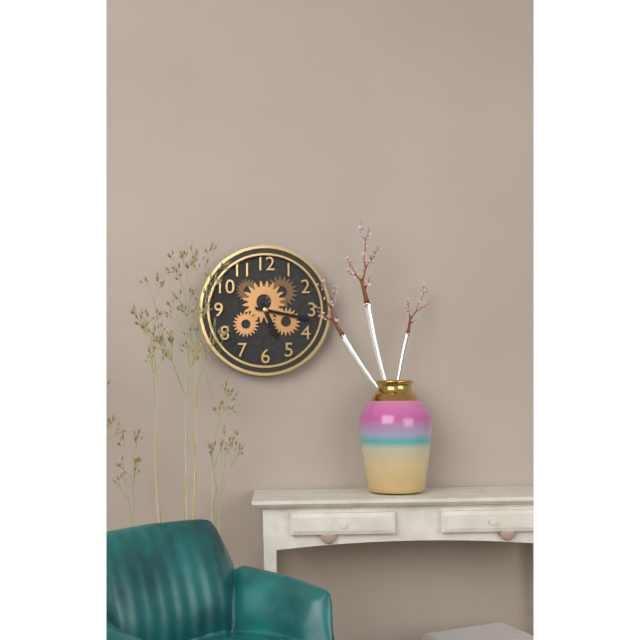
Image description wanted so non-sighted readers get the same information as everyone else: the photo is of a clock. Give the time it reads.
5:17
